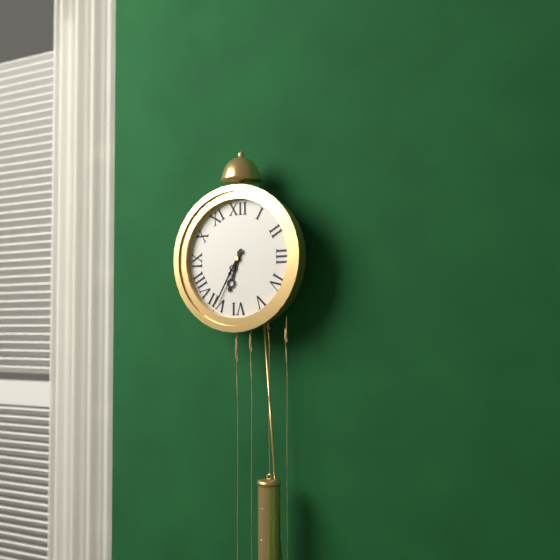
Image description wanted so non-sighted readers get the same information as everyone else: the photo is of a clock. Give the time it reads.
6:35
